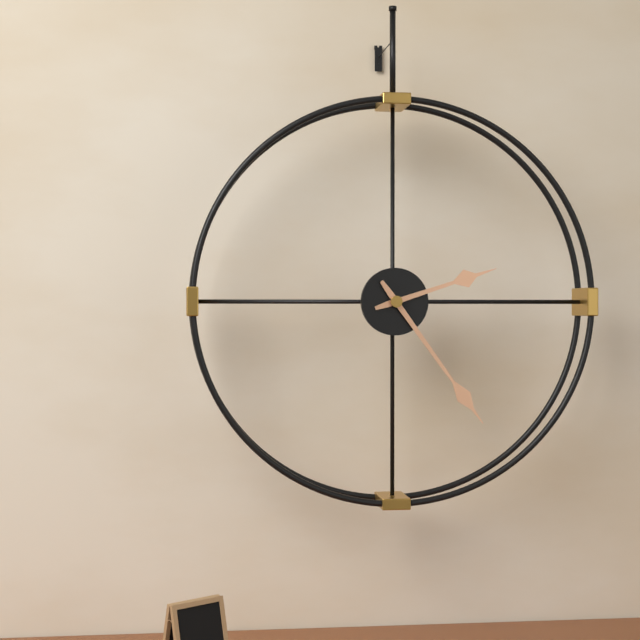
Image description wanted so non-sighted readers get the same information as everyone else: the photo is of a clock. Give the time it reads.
2:24
